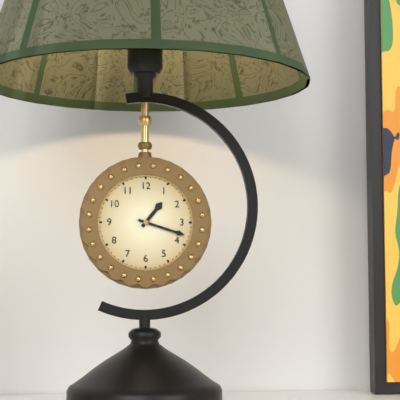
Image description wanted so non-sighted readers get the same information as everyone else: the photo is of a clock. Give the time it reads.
1:18
